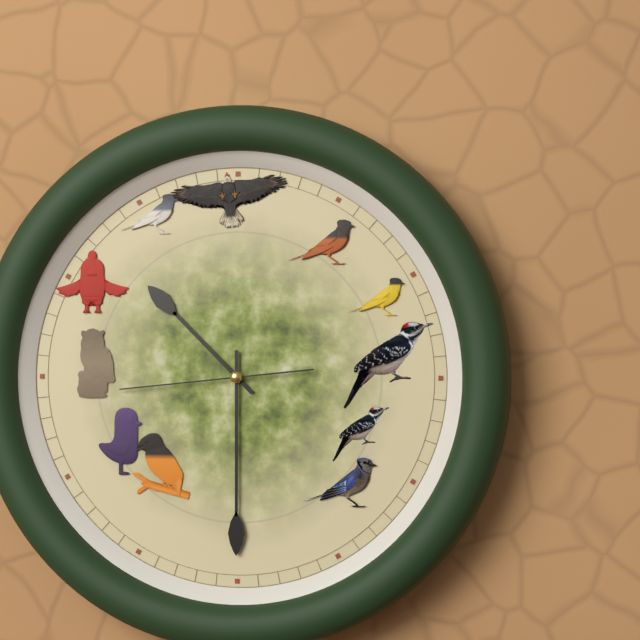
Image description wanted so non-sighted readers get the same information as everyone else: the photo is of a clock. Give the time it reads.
10:30:44
